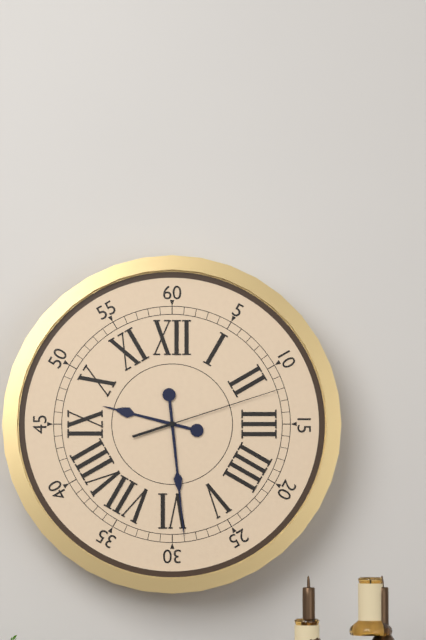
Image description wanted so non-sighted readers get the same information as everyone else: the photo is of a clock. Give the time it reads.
9:29:12
